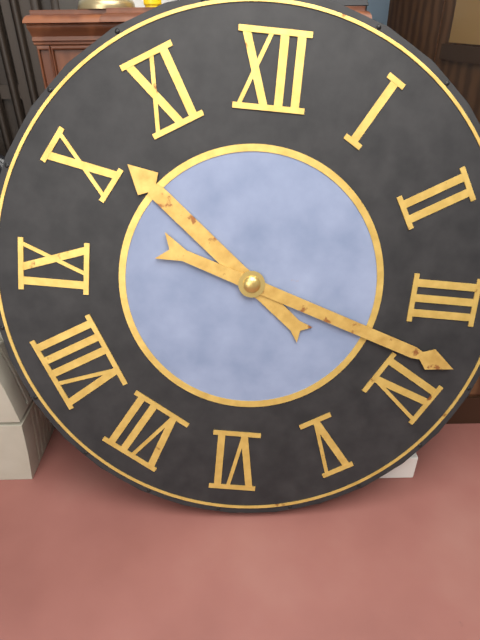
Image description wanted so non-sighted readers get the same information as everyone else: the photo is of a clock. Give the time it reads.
10:18
